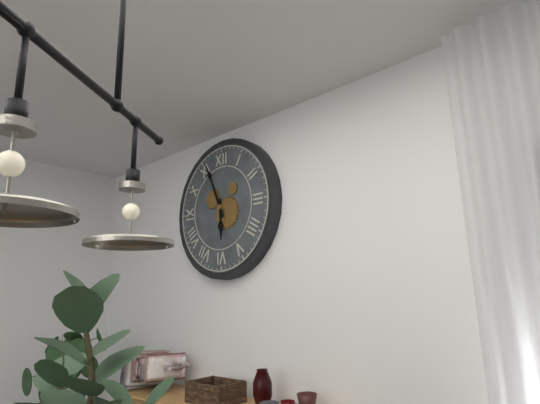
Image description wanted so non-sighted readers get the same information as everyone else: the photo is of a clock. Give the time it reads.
5:56
